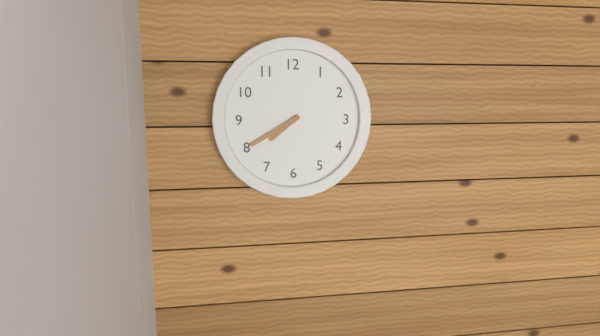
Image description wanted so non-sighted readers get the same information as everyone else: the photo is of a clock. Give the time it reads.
7:40
